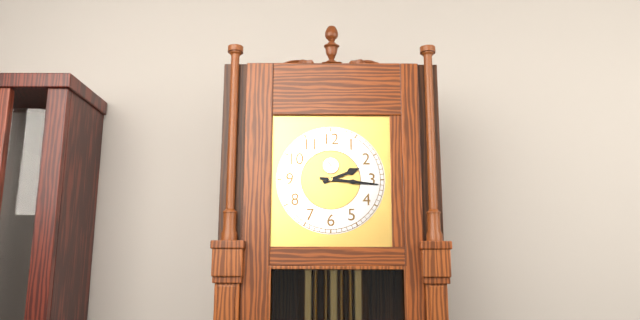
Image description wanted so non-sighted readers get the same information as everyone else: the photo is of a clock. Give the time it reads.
2:16
